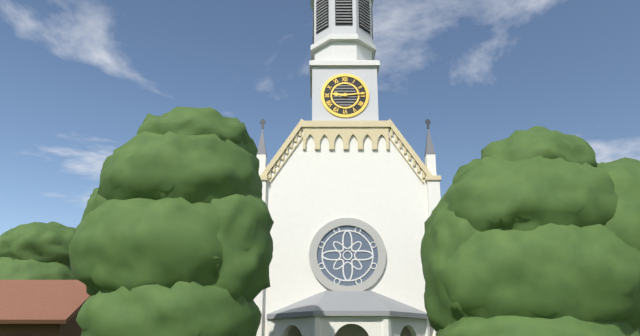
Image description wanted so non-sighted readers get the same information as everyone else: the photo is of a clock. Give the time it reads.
9:14
